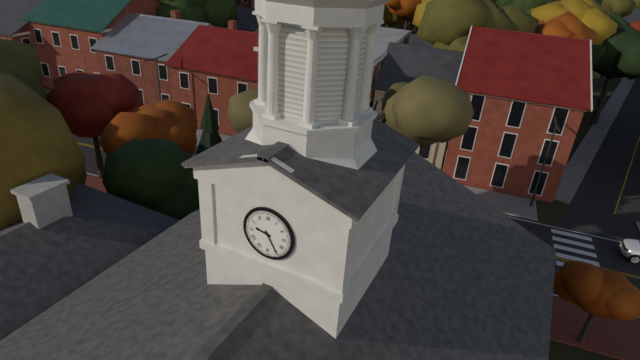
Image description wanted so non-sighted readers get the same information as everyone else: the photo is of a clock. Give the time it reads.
9:25
